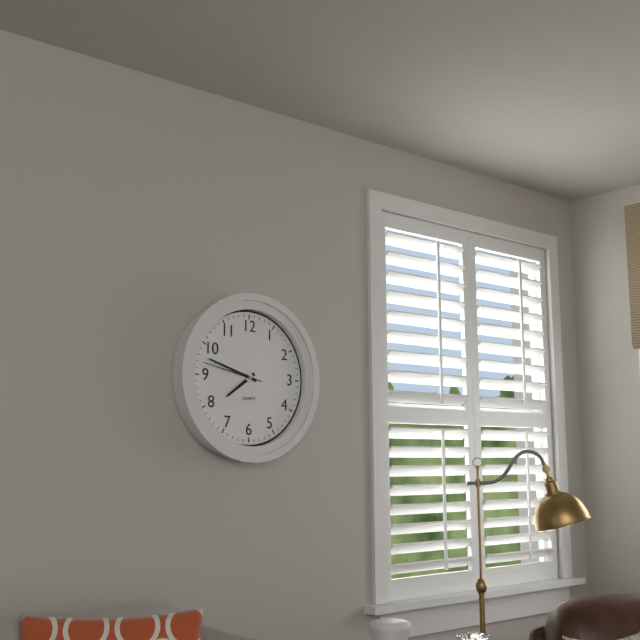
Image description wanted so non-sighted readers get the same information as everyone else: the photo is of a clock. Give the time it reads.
7:48:47
